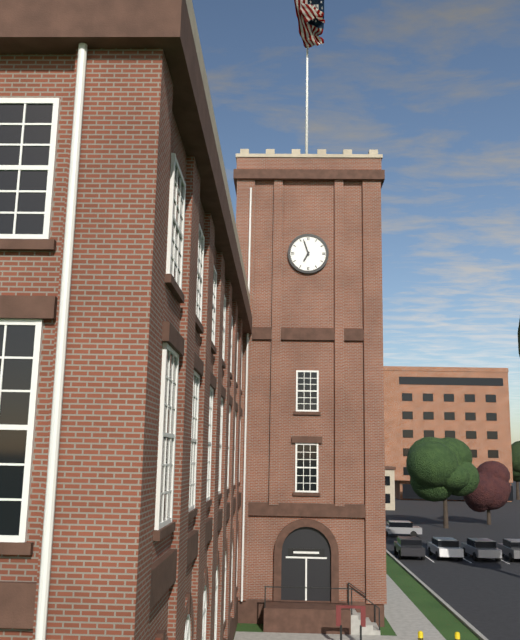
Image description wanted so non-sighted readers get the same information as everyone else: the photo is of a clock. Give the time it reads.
6:57
